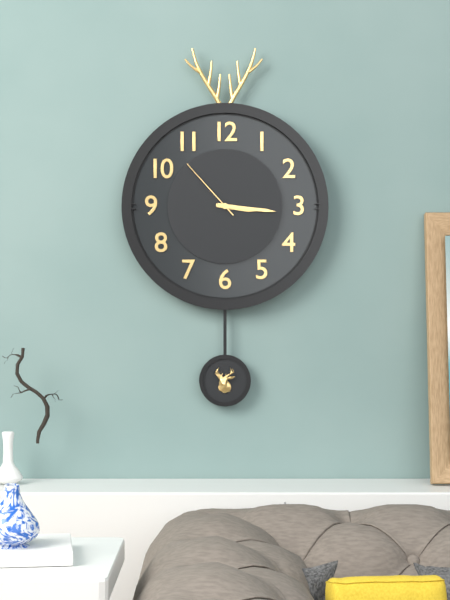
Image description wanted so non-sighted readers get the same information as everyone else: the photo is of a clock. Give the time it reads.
3:16:53
